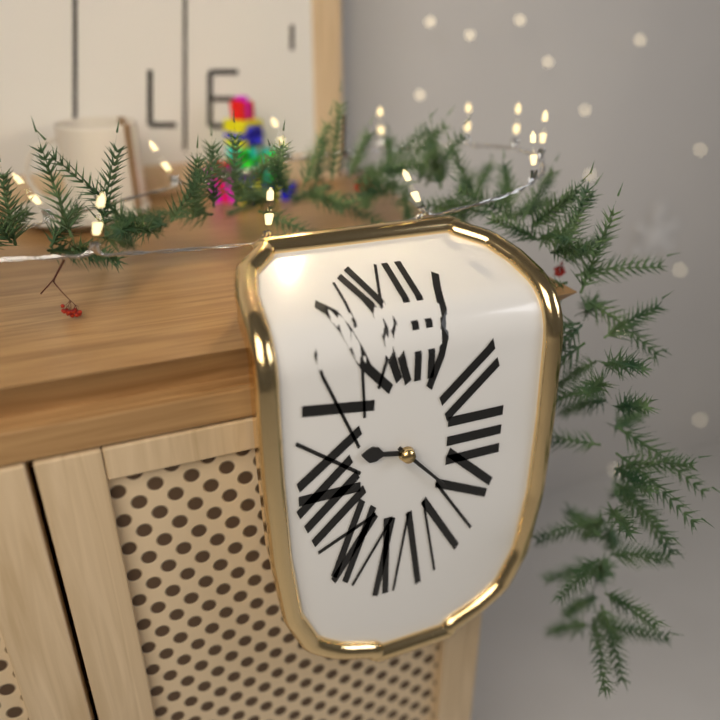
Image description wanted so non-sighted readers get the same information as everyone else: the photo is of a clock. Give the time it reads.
9:23
